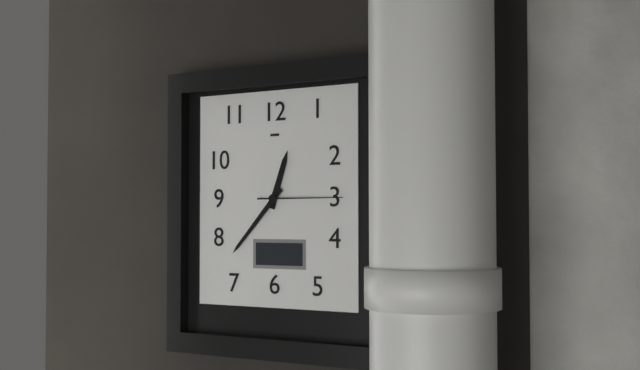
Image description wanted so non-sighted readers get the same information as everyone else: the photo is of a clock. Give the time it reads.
12:37:15
